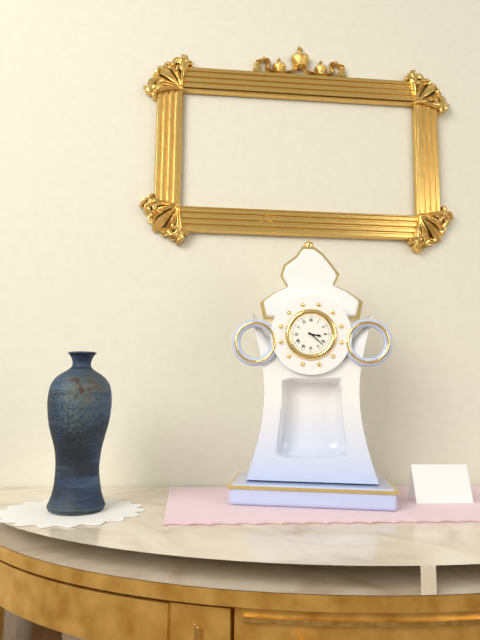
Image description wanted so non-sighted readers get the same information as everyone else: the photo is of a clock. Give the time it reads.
3:22
